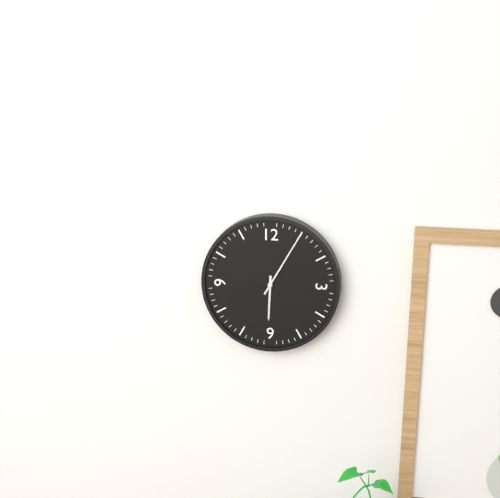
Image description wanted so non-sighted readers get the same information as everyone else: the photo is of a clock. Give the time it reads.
6:05
